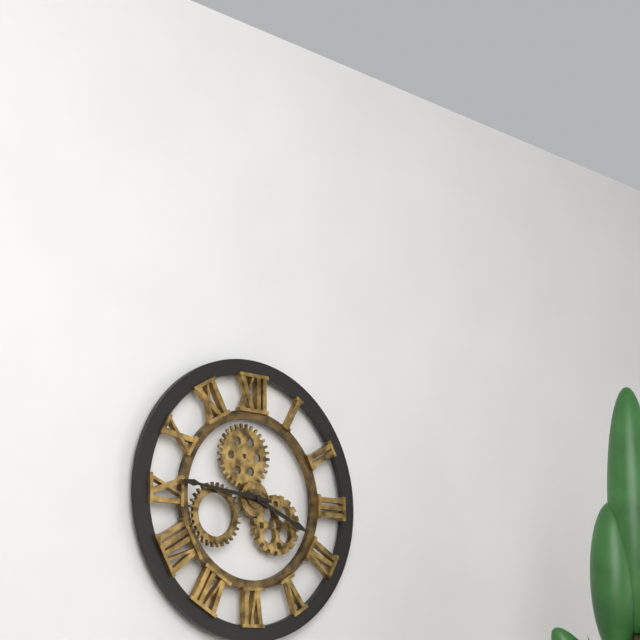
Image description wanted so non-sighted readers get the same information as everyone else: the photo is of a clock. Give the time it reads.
3:46
